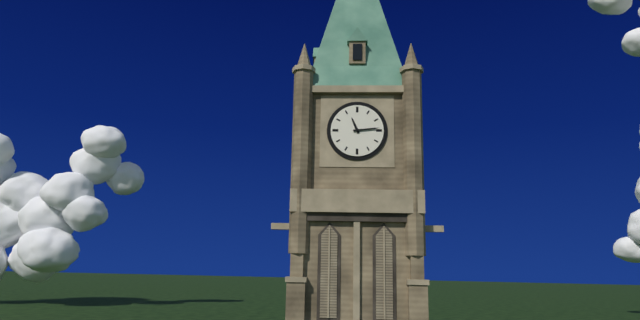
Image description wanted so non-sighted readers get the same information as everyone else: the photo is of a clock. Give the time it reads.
11:14
